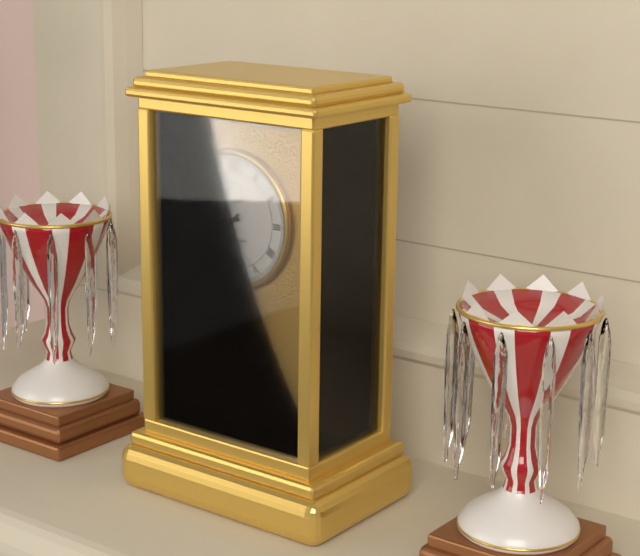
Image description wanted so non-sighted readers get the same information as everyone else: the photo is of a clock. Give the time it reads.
8:38
